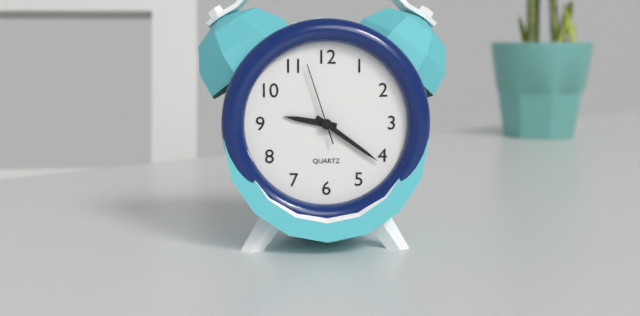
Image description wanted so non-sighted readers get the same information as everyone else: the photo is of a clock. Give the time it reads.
9:21:57
